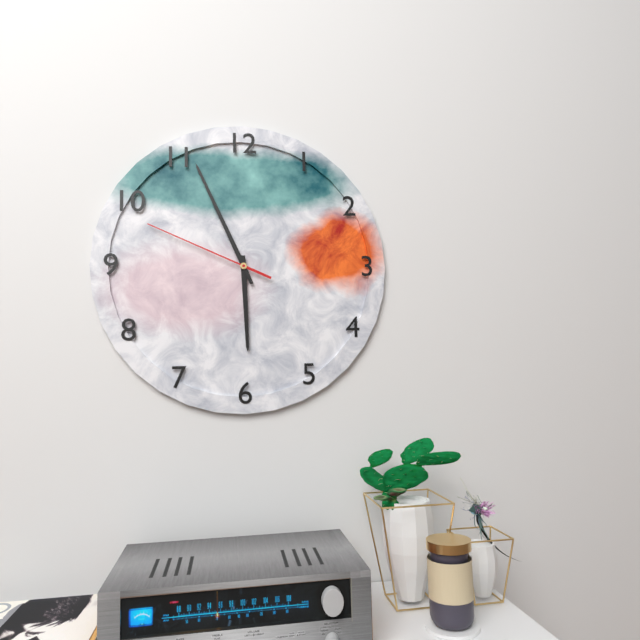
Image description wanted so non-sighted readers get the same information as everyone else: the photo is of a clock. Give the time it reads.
5:56:49
